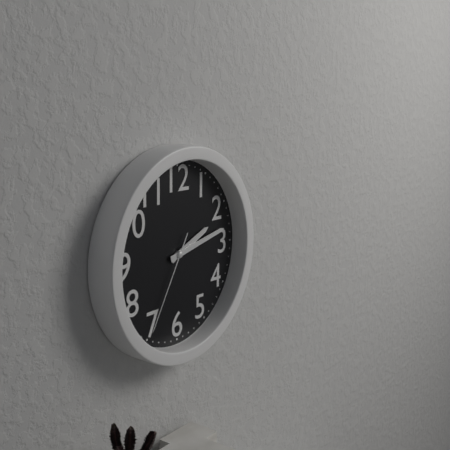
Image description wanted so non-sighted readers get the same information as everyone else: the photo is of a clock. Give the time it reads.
2:13:35
